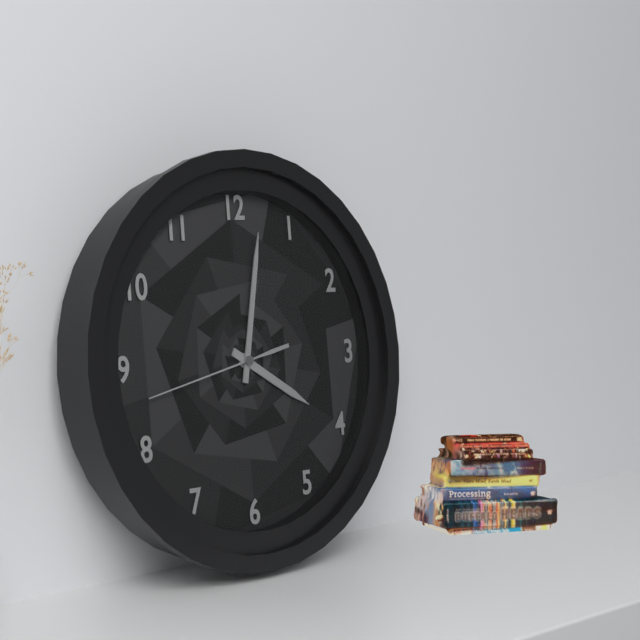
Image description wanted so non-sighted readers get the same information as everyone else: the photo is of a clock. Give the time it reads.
4:02:43
